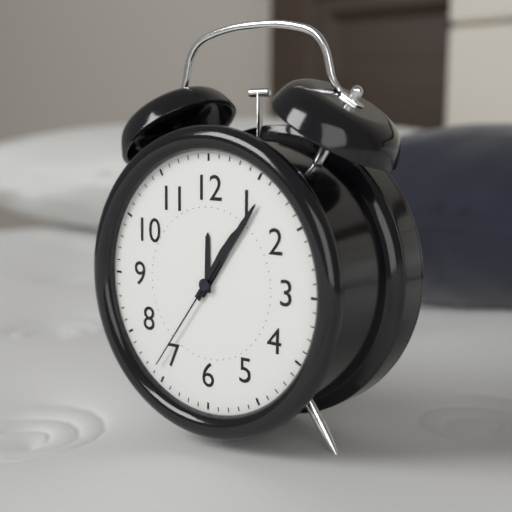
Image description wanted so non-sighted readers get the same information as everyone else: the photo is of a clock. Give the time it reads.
1:06:36
